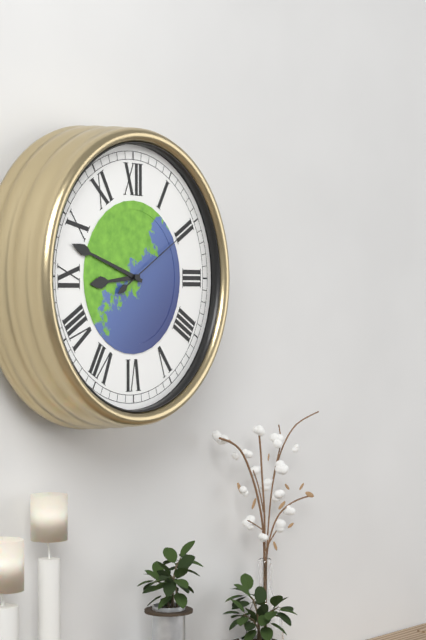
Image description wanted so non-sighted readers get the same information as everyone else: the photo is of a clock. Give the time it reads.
8:48:10
